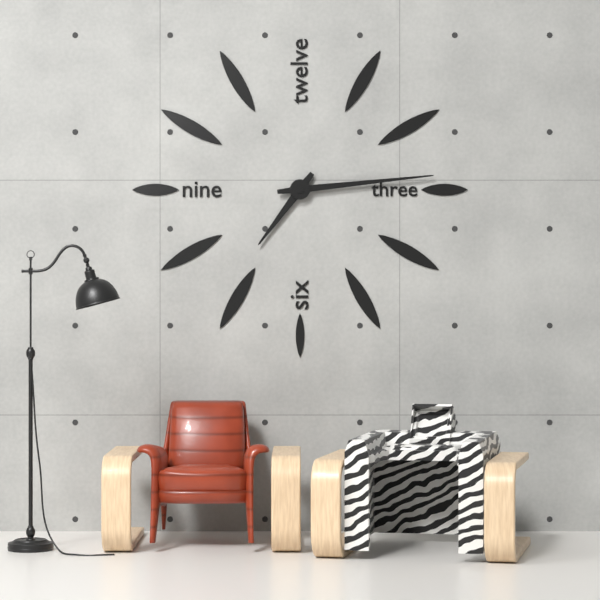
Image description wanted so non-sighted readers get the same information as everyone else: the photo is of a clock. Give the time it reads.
7:14
